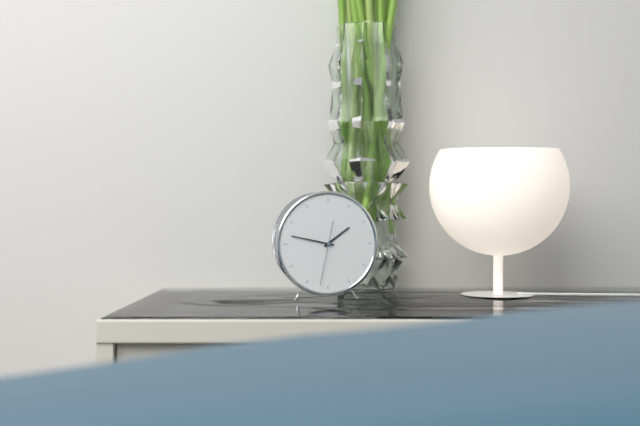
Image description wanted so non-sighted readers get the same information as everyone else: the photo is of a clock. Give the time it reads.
1:47:32
